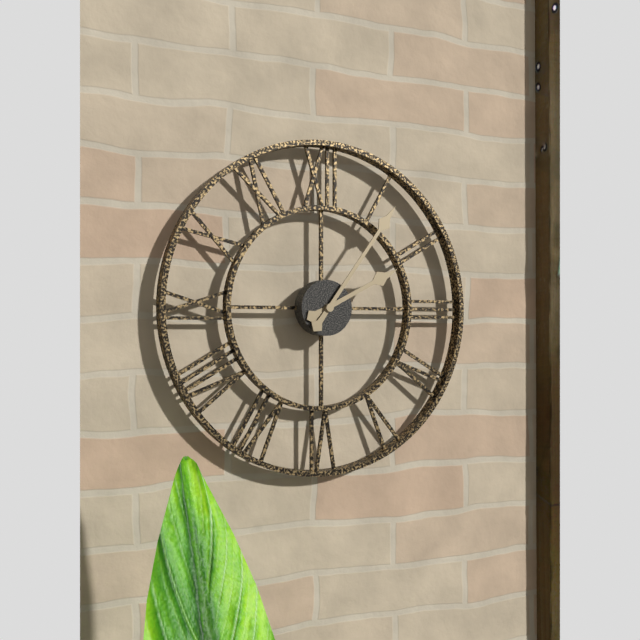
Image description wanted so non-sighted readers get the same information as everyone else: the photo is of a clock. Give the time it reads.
2:06
